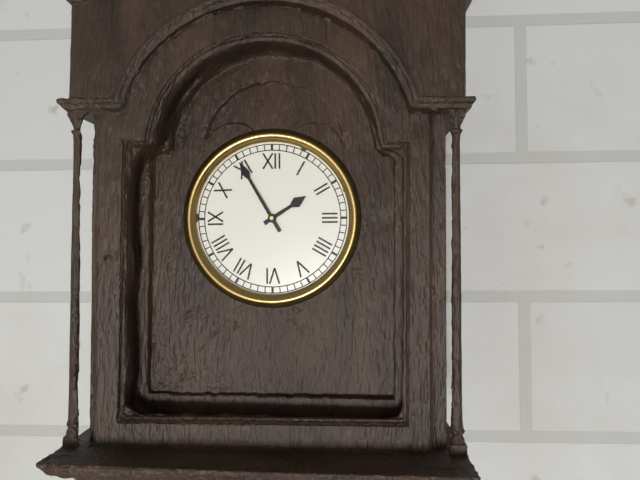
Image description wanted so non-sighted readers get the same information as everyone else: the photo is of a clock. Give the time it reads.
1:55
